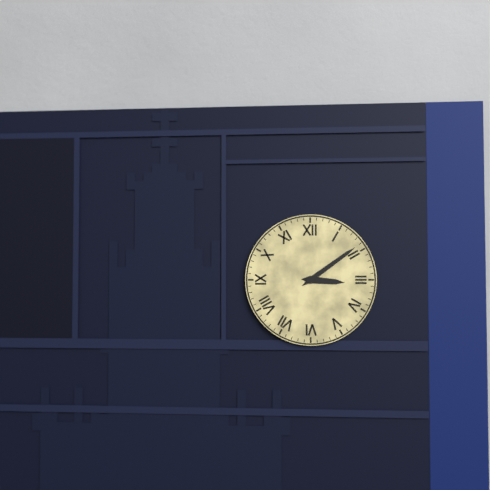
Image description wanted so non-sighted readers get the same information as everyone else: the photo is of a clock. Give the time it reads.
3:09
